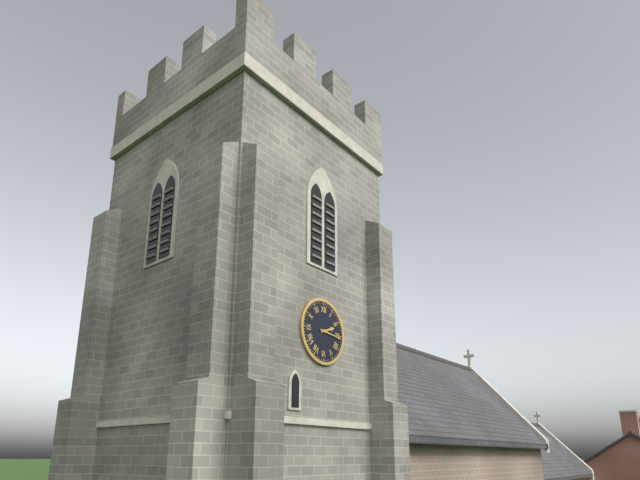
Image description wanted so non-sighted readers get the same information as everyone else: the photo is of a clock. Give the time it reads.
2:16
